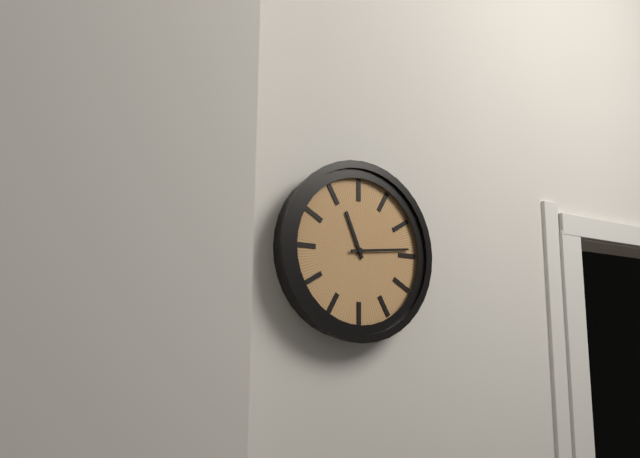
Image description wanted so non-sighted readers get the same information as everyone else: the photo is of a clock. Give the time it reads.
11:14
